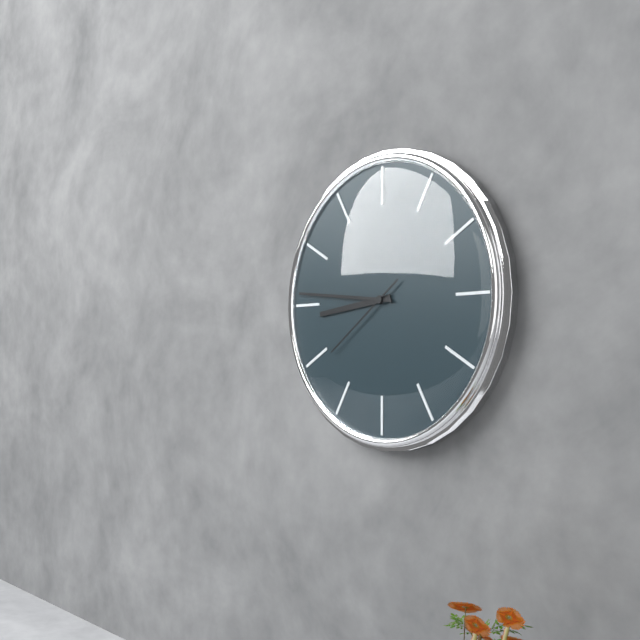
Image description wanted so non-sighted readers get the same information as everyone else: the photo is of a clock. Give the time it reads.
8:46:39
